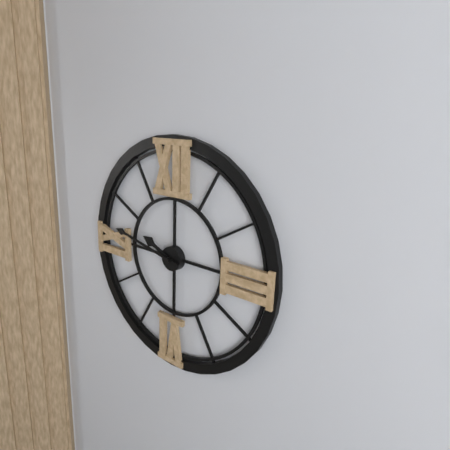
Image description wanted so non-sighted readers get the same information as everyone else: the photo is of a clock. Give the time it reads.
9:47
